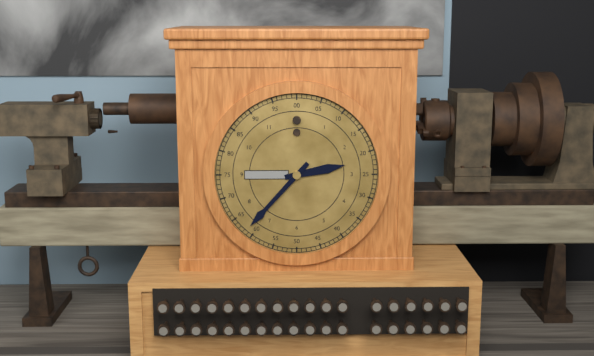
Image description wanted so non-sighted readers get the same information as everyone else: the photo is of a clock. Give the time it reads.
2:37
